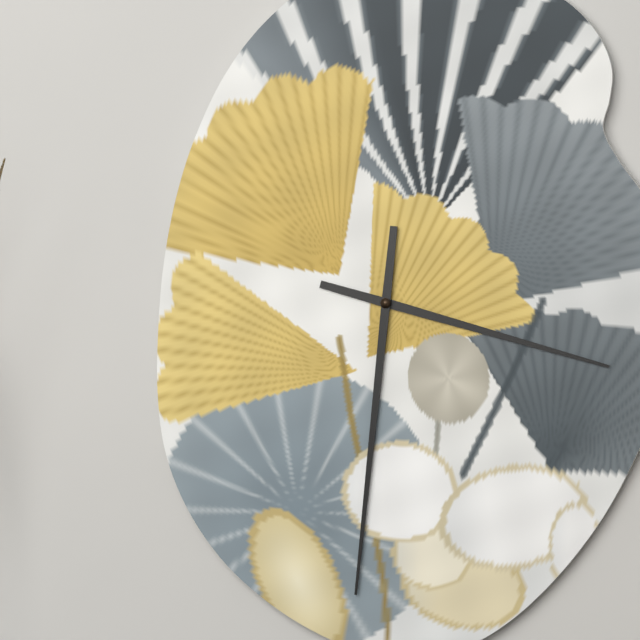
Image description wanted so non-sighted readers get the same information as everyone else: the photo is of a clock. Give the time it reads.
3:31
